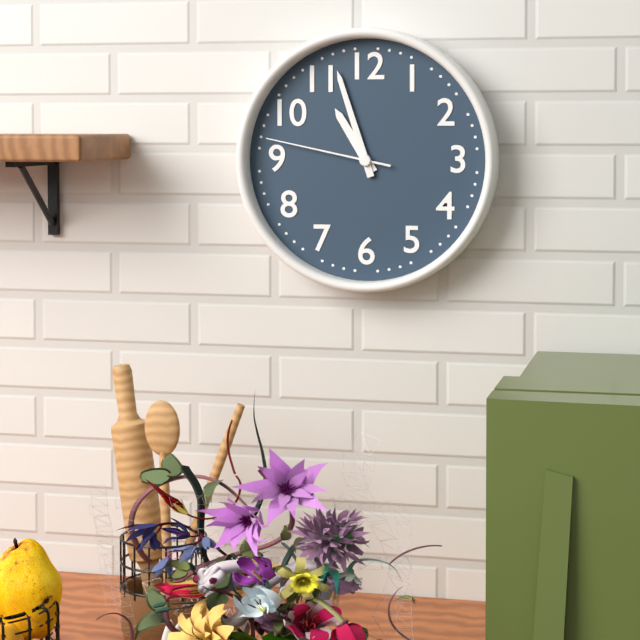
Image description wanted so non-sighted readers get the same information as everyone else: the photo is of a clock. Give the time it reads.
10:57:47
